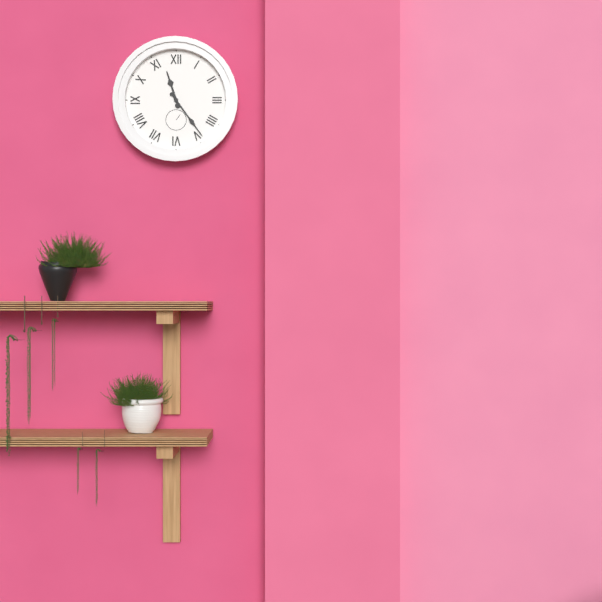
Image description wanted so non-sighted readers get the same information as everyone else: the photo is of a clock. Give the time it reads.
11:24
